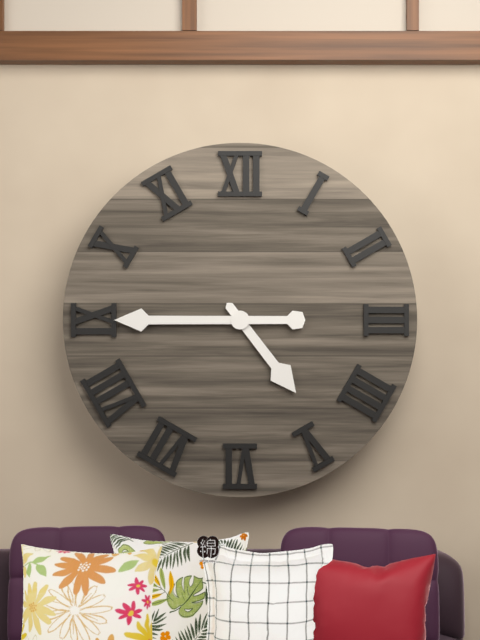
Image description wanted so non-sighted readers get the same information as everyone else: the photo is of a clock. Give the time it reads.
4:45
